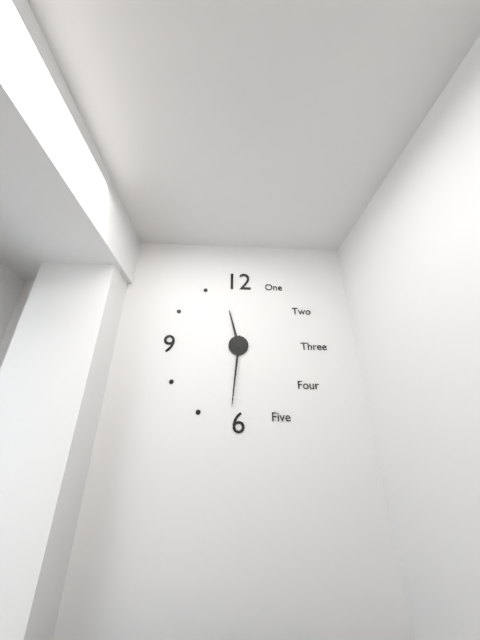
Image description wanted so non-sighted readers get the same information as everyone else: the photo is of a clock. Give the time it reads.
11:31
